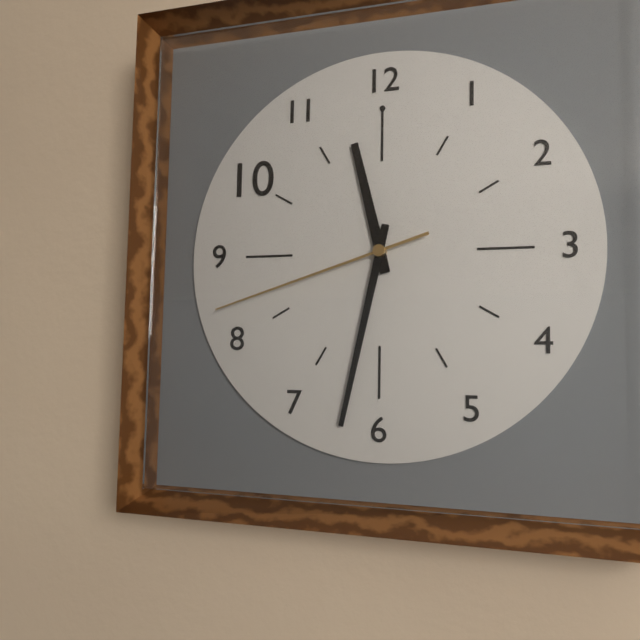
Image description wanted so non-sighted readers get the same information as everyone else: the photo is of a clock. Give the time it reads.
11:32:42
